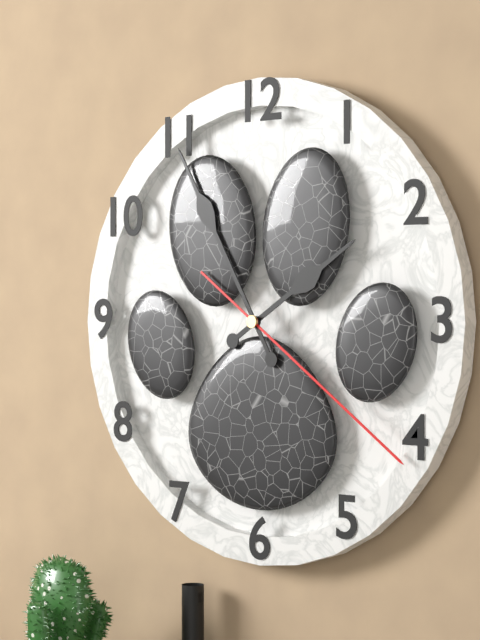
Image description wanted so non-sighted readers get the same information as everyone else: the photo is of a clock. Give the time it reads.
1:55:21
